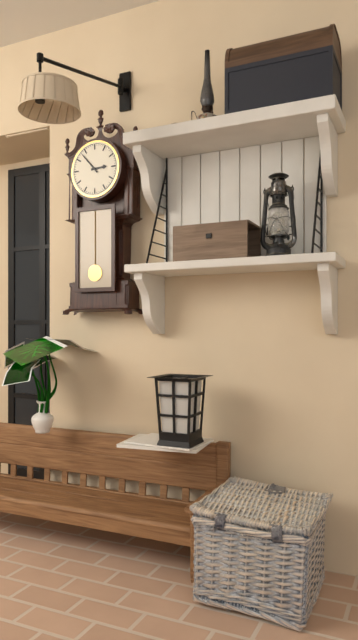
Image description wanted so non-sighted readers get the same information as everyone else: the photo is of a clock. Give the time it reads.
2:53
